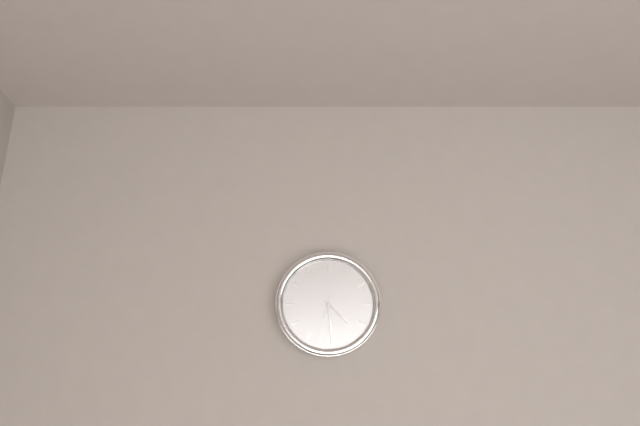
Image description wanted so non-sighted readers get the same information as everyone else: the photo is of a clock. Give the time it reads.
4:29
